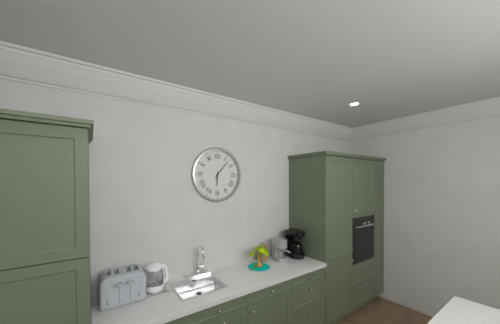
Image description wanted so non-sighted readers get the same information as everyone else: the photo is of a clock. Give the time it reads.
6:07
